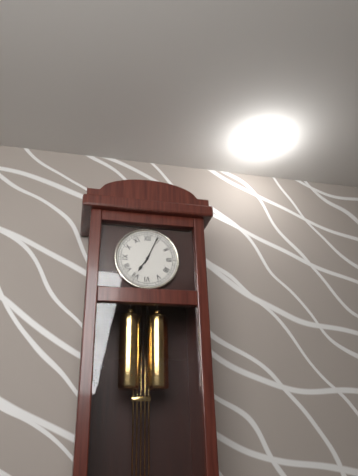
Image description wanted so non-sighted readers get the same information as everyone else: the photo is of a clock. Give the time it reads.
7:04
